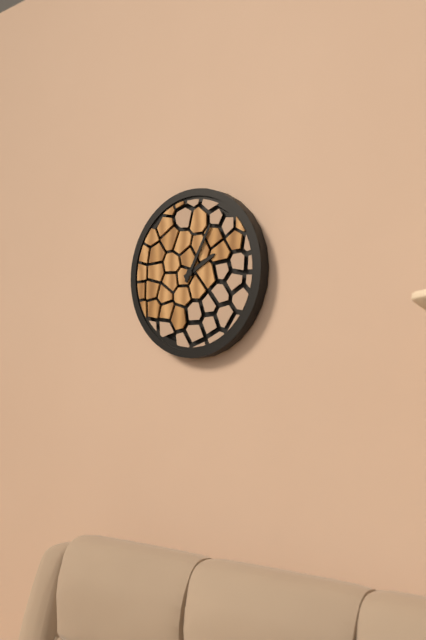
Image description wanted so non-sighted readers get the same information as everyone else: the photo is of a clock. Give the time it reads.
2:05
